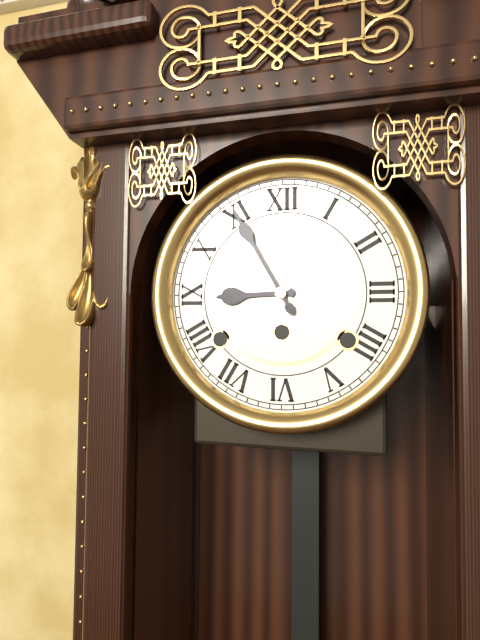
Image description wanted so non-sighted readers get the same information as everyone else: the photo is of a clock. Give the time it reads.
8:55
